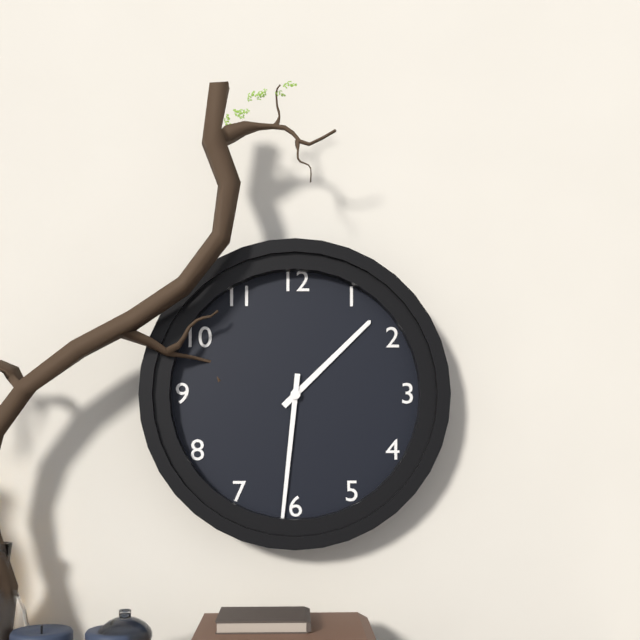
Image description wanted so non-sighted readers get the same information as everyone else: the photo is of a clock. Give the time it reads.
1:31
